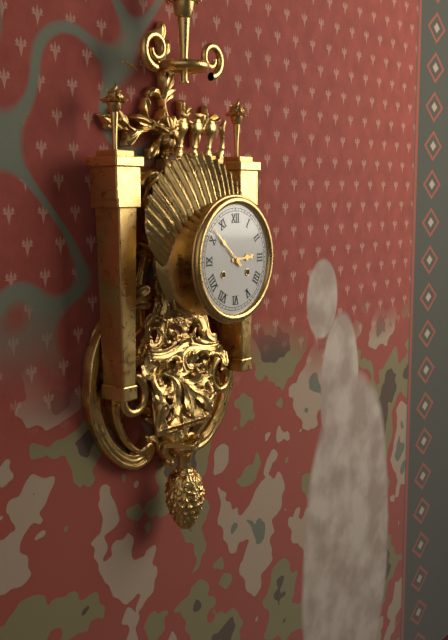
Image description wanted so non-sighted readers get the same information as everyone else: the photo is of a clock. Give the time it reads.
2:52
